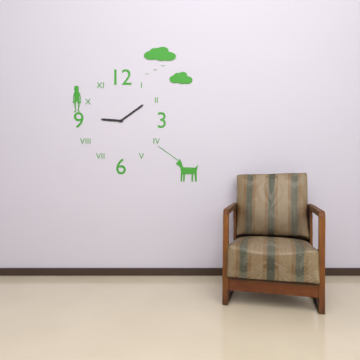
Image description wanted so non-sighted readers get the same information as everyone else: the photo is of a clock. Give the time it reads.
9:09
